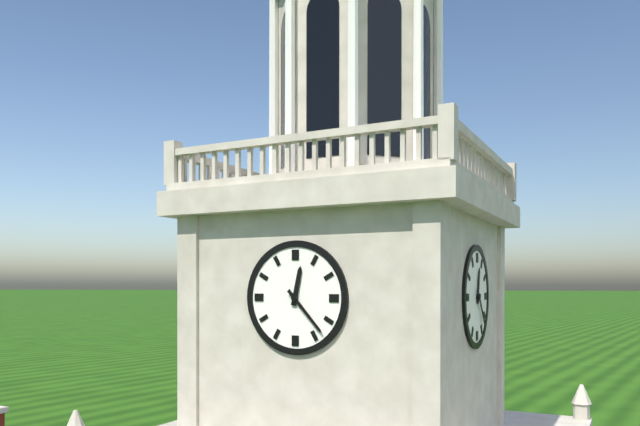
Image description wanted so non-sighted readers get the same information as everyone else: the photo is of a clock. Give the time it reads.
12:23
